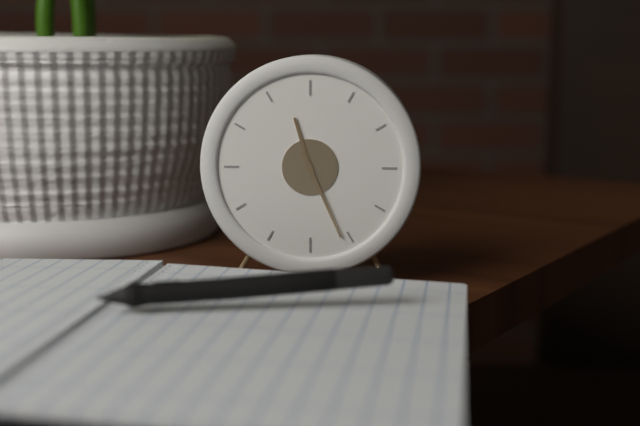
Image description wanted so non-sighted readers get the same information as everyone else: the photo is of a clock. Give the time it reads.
11:26
